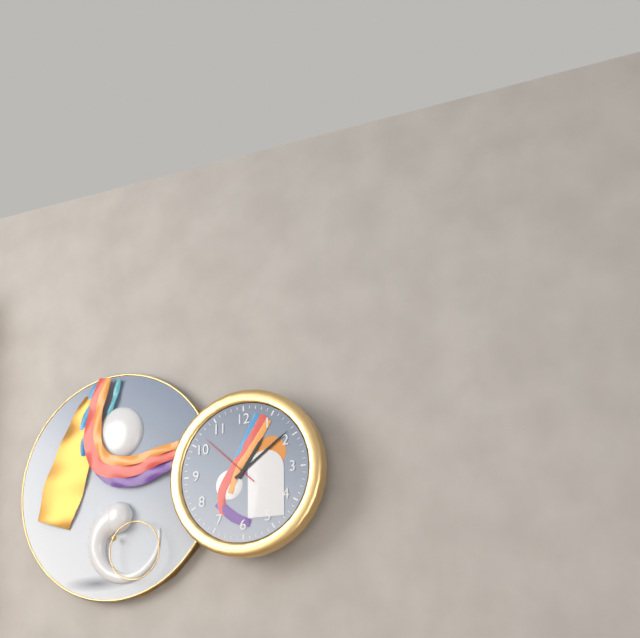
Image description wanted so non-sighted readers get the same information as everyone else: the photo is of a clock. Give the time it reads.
1:09:52
